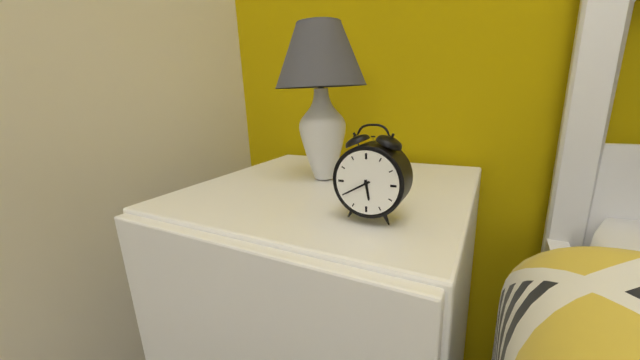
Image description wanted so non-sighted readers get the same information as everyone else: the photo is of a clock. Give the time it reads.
5:40
